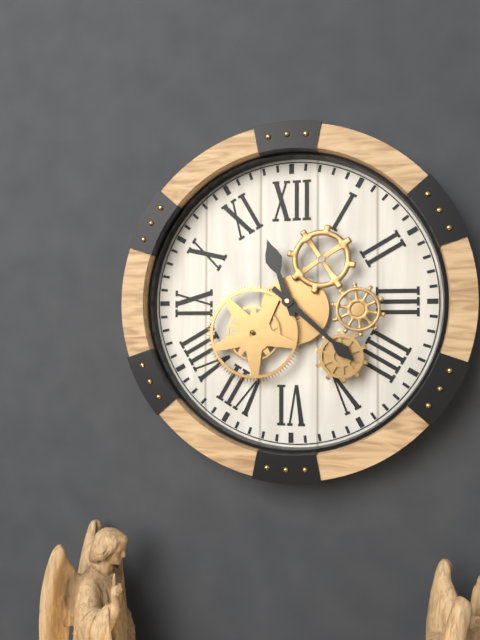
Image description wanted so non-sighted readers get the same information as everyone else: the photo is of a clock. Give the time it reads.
11:22
